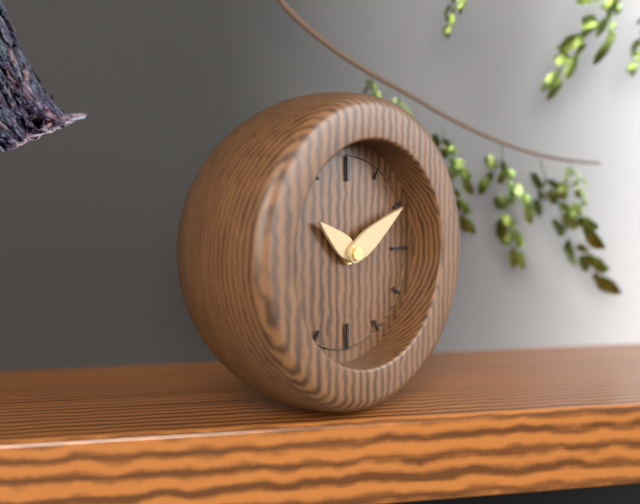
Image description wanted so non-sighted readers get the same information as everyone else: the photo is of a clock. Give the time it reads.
10:10
